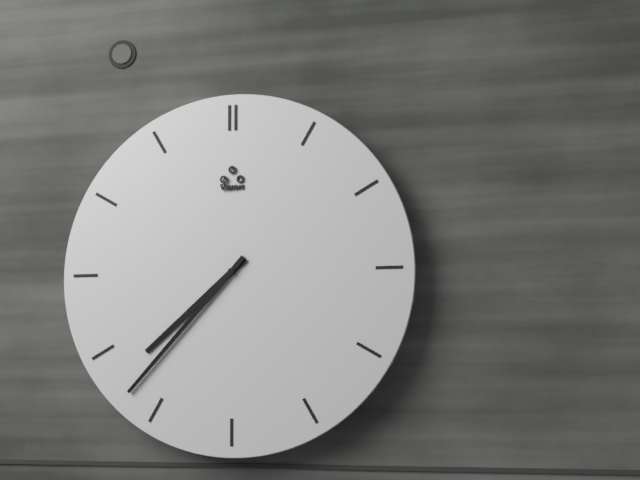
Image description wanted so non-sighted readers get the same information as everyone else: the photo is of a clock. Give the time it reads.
7:37
